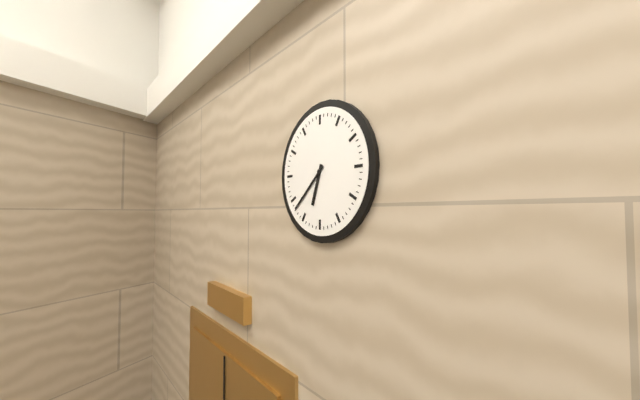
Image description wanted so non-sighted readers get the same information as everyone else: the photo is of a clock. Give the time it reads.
6:38
